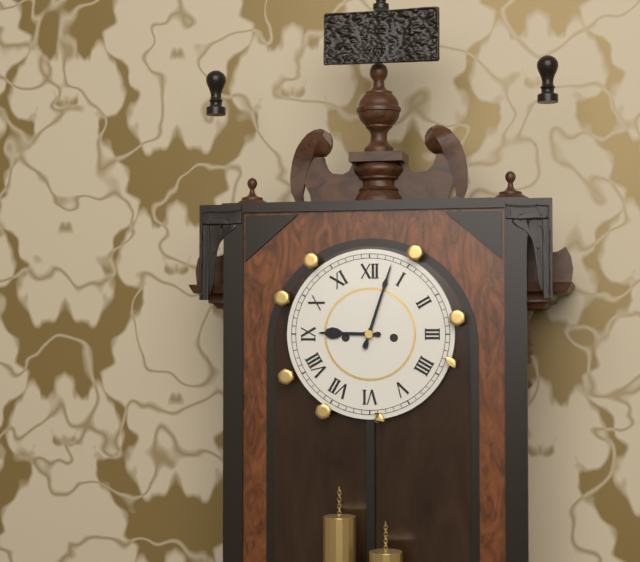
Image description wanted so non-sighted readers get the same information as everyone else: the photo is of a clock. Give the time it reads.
9:03
